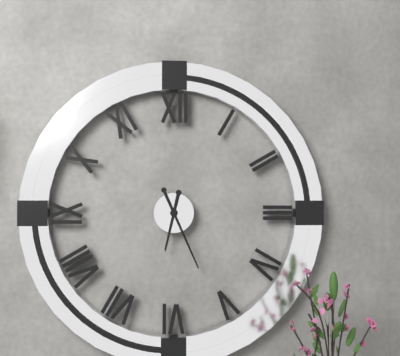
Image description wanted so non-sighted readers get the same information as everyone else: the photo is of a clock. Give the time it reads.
6:26
